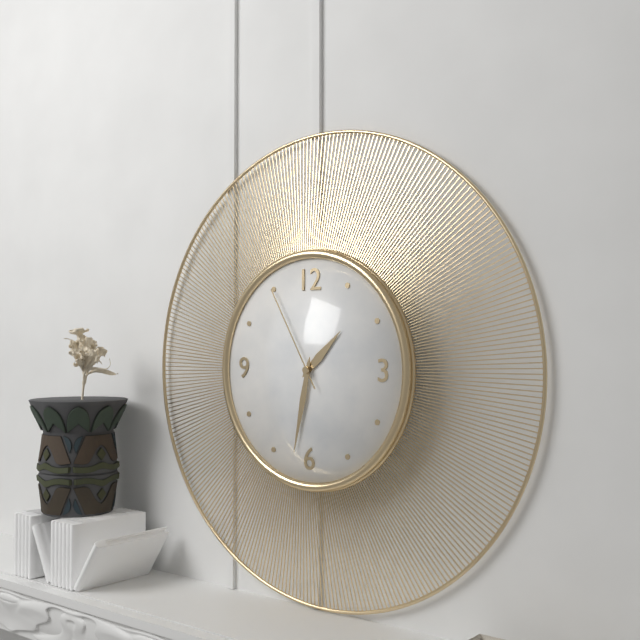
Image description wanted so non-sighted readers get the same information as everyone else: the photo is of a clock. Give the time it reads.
1:32:55
